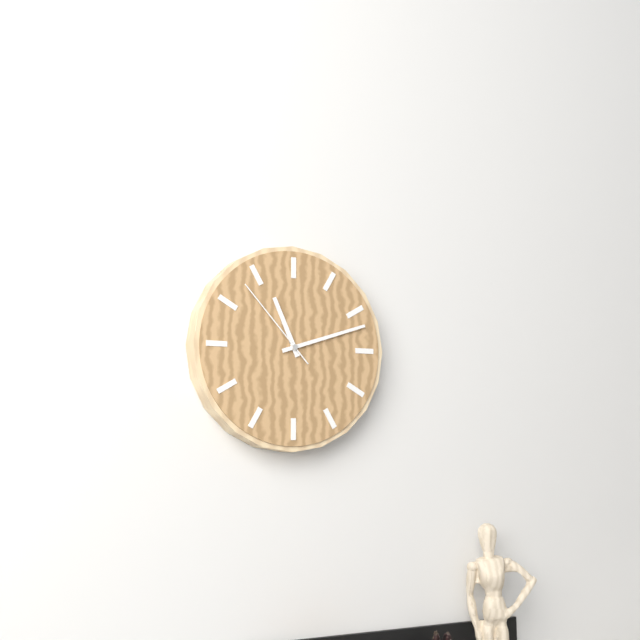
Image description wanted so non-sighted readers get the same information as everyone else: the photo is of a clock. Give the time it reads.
11:12:53
